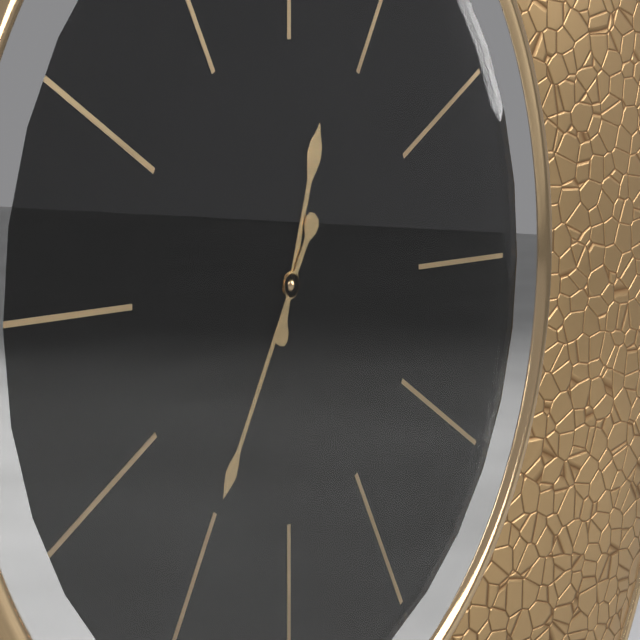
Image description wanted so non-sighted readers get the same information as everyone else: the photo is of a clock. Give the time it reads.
12:35
